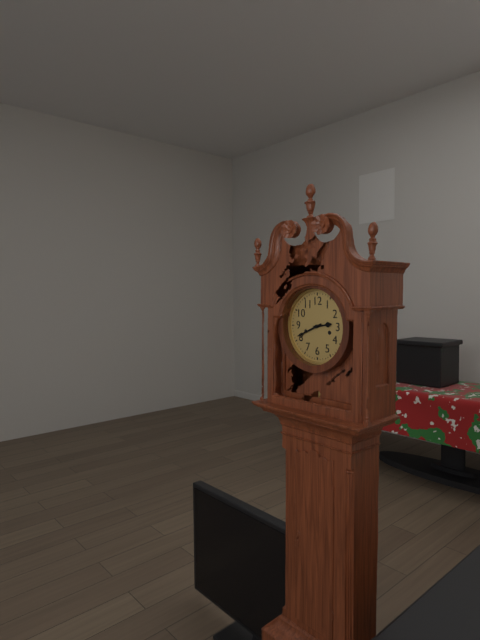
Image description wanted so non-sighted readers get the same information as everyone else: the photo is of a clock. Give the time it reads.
2:41
